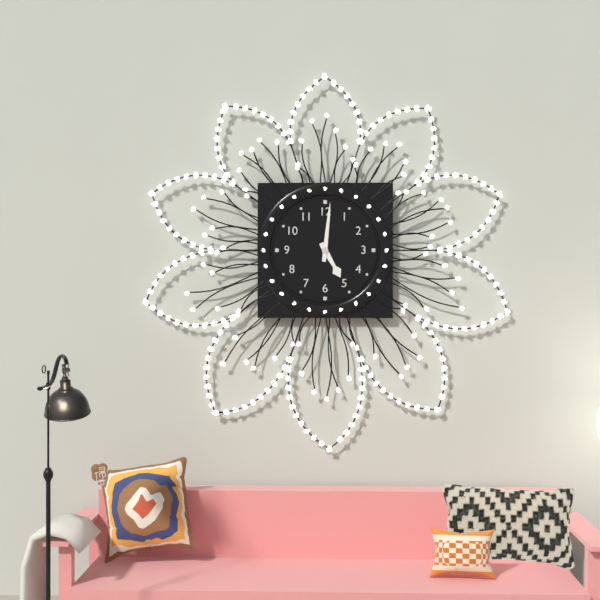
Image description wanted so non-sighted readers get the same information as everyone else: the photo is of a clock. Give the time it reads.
5:01
